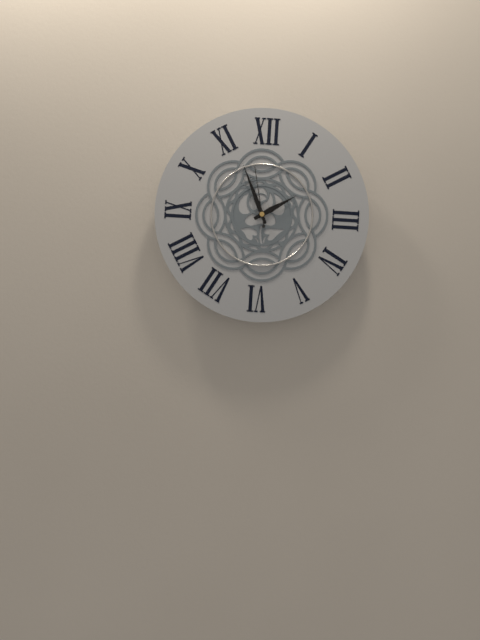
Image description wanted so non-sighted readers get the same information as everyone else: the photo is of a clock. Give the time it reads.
1:56:58
